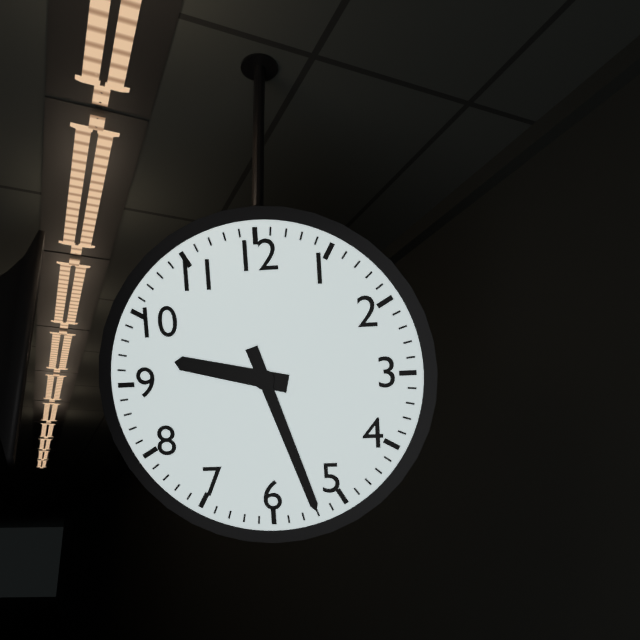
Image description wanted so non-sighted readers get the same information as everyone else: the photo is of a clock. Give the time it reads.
9:27
